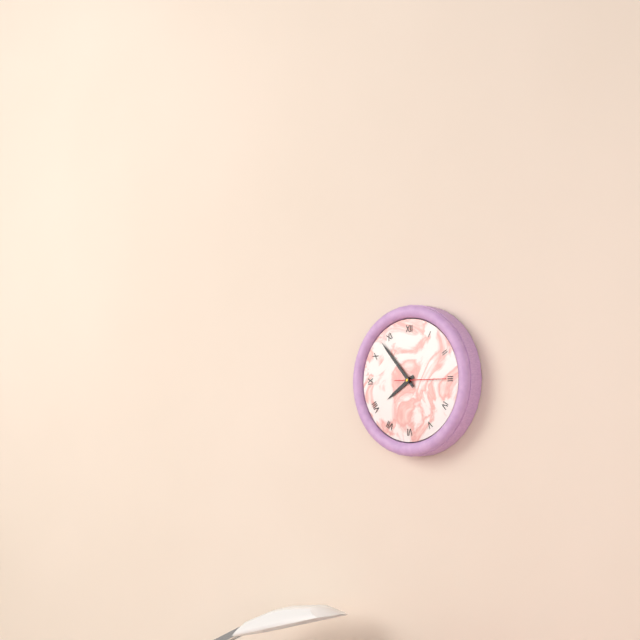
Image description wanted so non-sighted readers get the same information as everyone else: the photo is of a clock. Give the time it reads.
7:53
